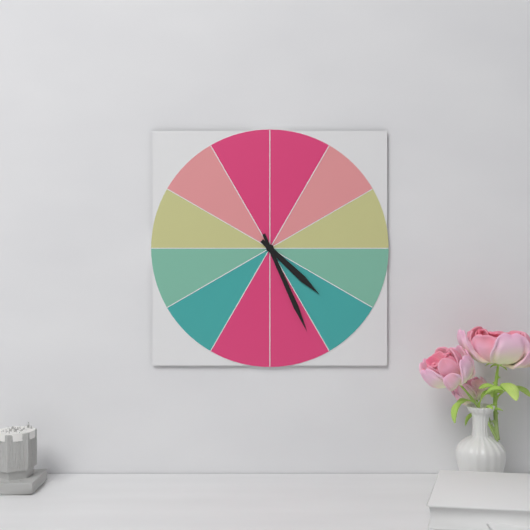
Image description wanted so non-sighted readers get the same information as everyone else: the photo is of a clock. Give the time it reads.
4:26
